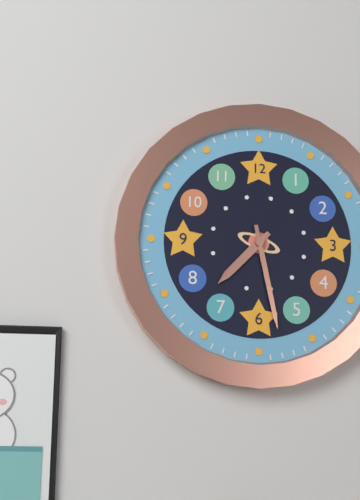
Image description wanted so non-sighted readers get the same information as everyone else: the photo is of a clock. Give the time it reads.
7:28
